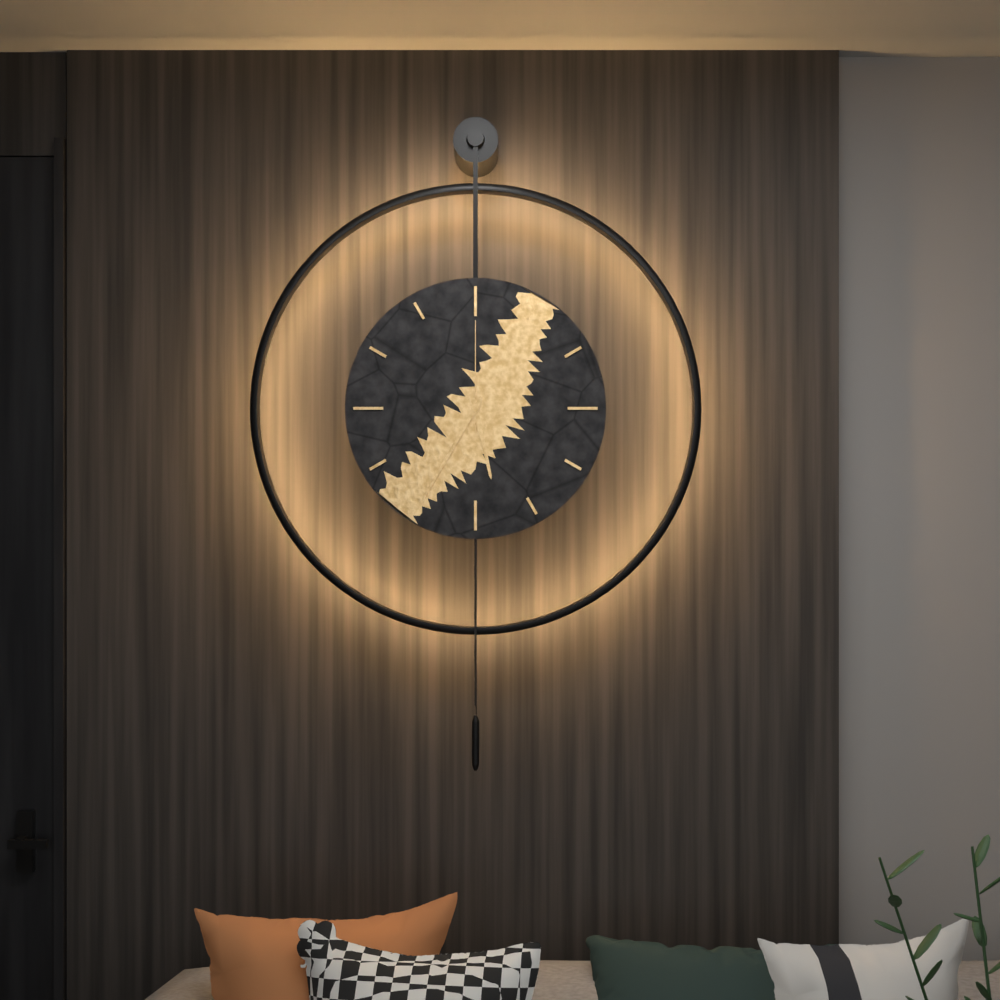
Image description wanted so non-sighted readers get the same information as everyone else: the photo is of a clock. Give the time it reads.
5:35:00
